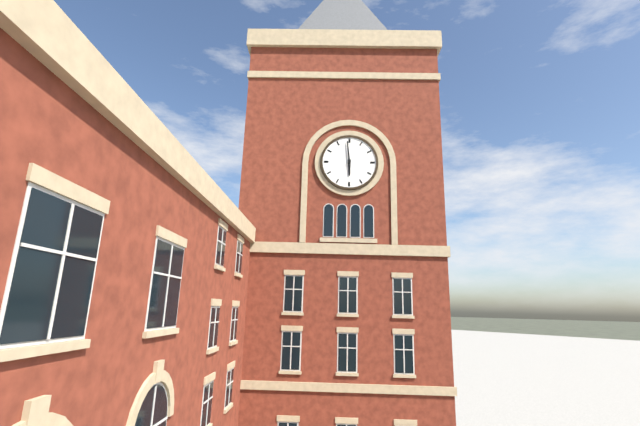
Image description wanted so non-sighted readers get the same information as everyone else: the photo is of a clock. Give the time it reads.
5:59
